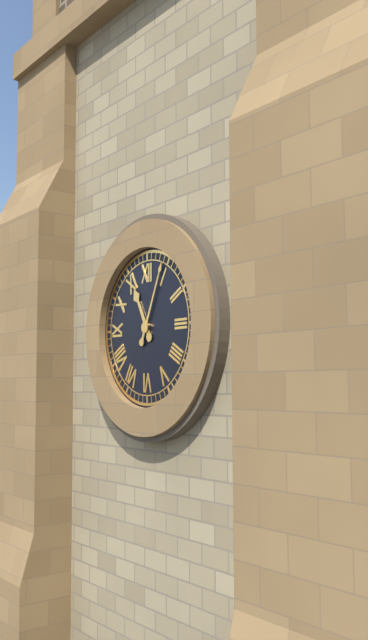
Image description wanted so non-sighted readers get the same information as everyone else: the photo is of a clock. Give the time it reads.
11:04
